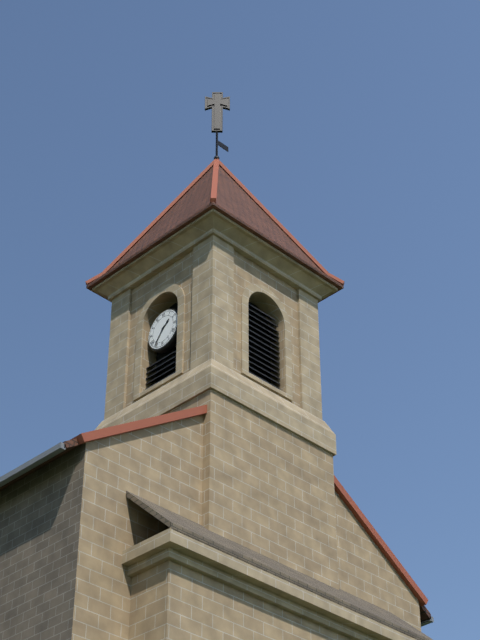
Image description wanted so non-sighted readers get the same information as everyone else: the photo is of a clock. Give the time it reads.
1:36
